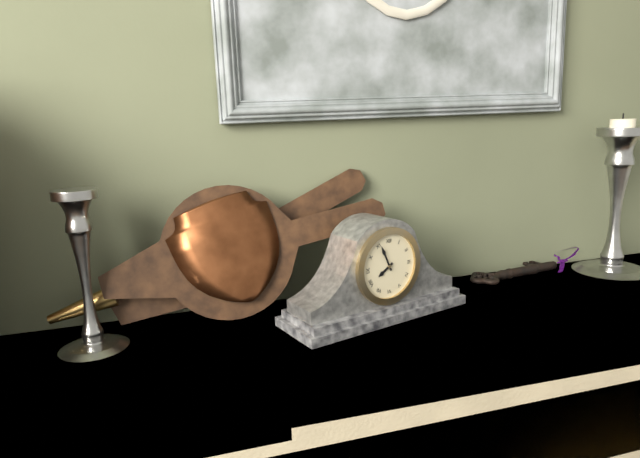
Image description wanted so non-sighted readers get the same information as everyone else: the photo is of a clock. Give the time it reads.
7:56
